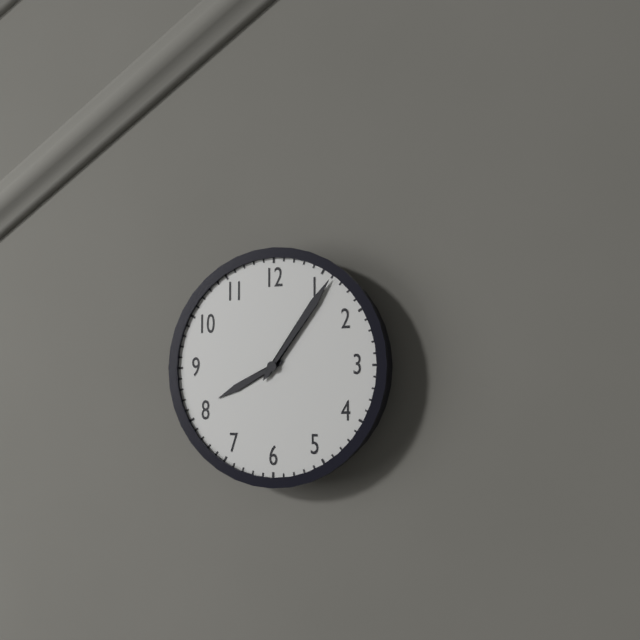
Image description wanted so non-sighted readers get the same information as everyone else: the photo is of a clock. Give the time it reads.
8:06
